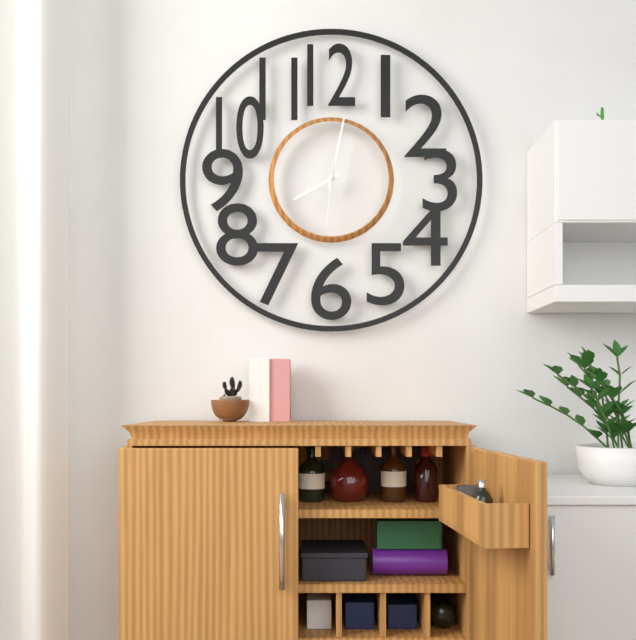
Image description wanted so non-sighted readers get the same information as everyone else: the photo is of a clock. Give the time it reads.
8:02:31
